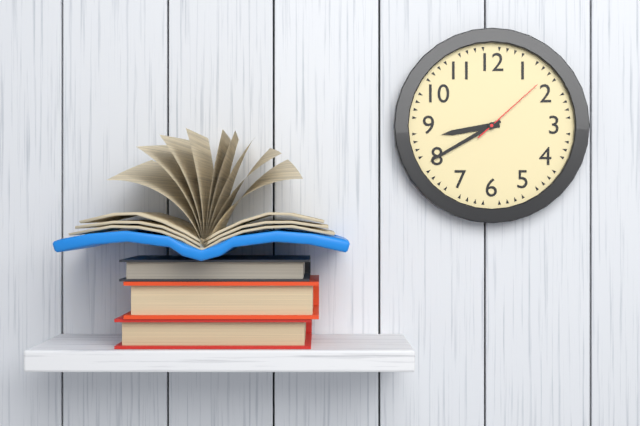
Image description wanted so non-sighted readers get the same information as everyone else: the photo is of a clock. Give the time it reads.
8:40:08
